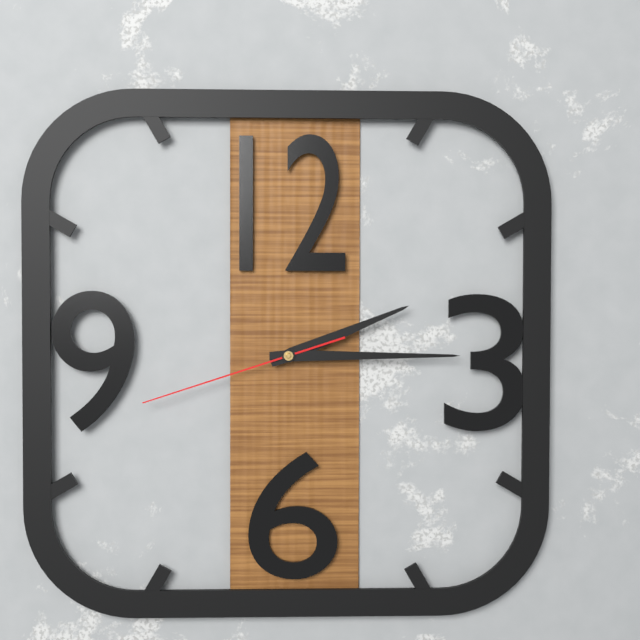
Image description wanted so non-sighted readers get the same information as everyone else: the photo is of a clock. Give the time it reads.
2:15:42
